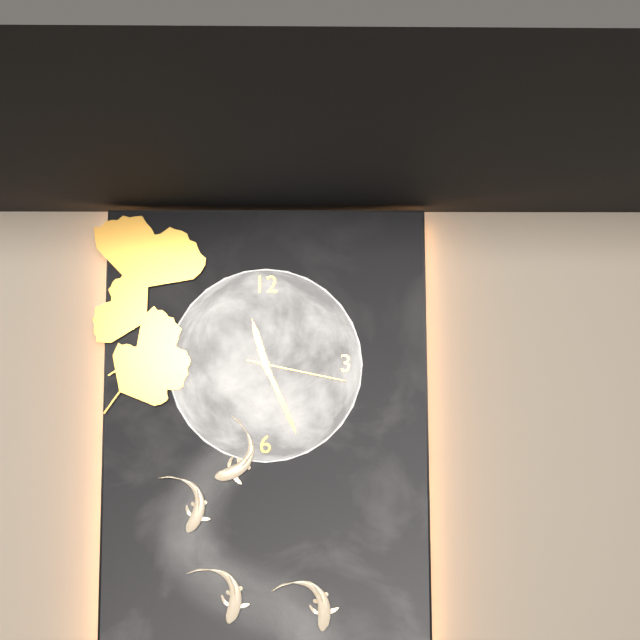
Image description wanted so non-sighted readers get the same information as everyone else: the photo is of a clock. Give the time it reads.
11:26:17
